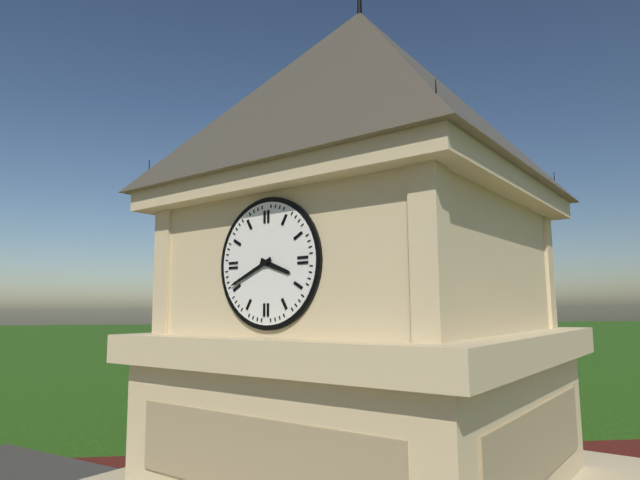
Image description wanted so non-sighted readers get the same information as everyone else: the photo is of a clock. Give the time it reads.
3:41
